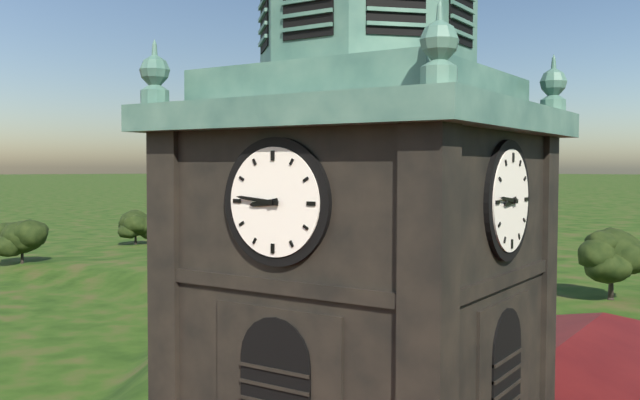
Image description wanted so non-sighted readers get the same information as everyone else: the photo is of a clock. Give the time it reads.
8:46
